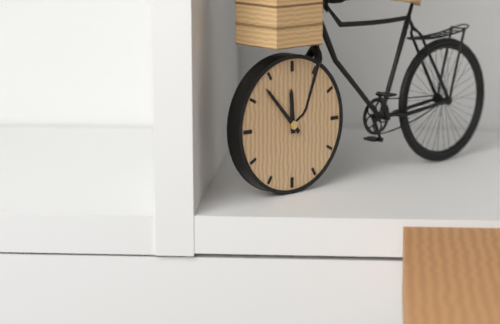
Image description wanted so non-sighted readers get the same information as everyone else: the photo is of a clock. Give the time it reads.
11:53
